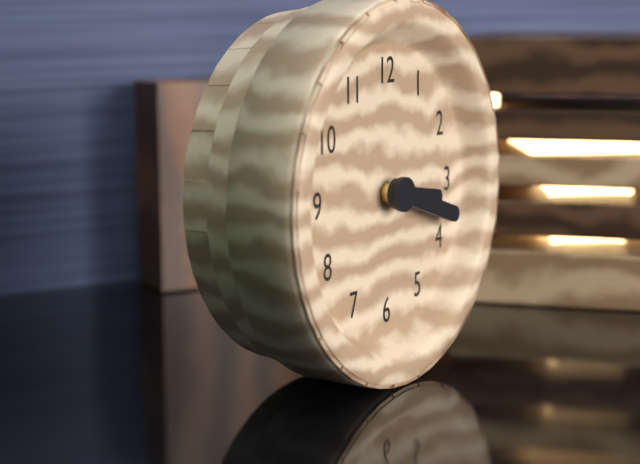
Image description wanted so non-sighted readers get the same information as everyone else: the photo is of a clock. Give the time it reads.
3:18
